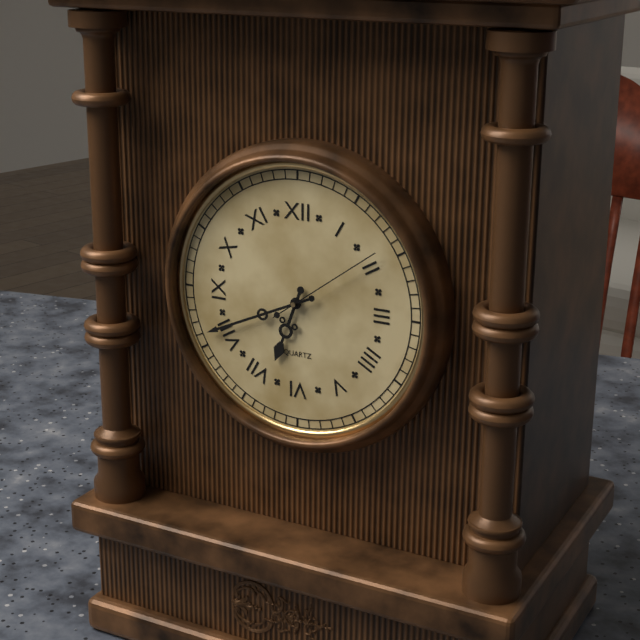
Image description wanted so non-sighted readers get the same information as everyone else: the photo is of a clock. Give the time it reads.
6:41:09
